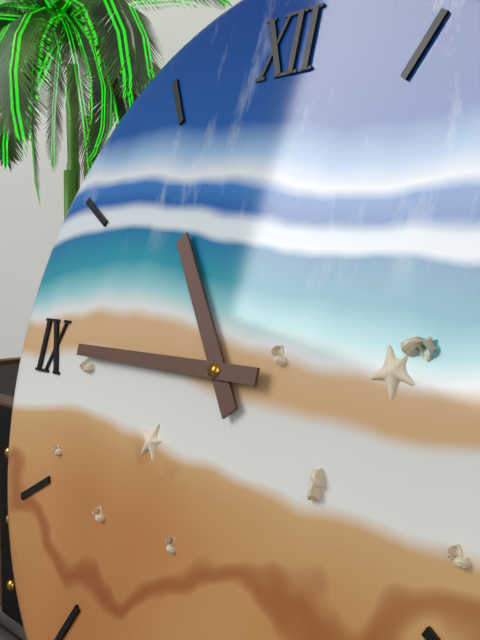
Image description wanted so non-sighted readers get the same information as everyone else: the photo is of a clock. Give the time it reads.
10:45
